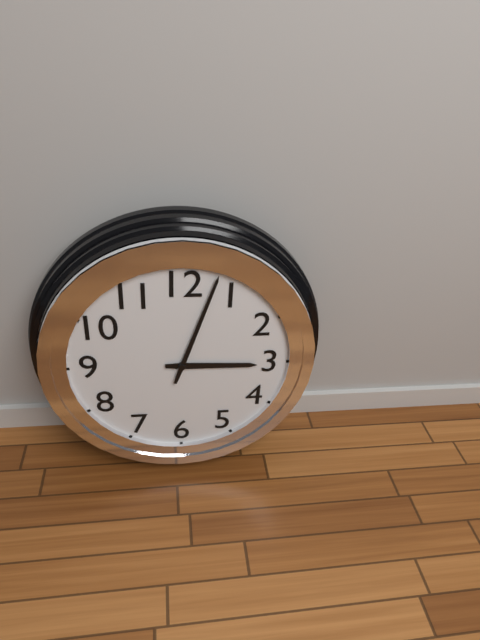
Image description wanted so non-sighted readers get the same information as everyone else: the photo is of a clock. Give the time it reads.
3:03
